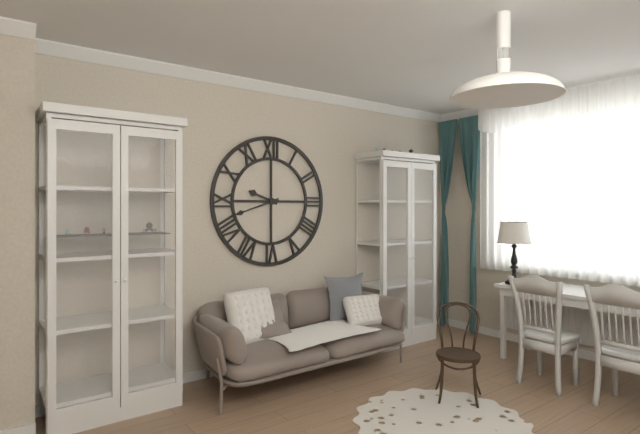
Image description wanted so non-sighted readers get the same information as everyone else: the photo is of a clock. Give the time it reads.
9:42
